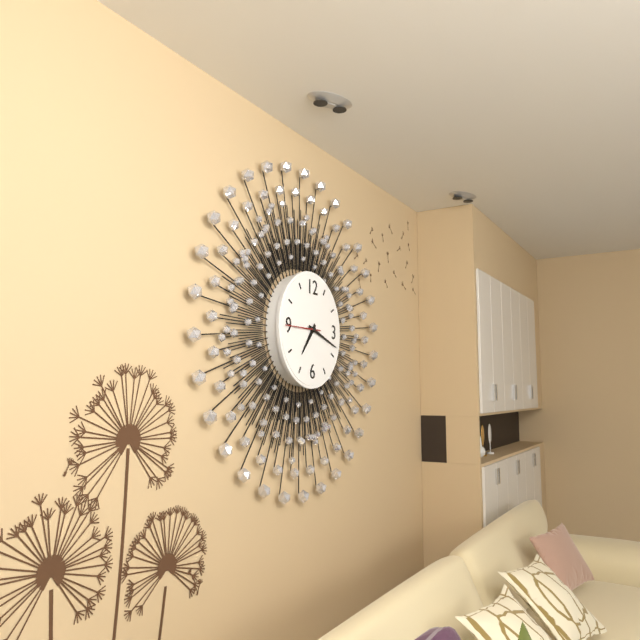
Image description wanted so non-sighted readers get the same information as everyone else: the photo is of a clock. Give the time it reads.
7:18
